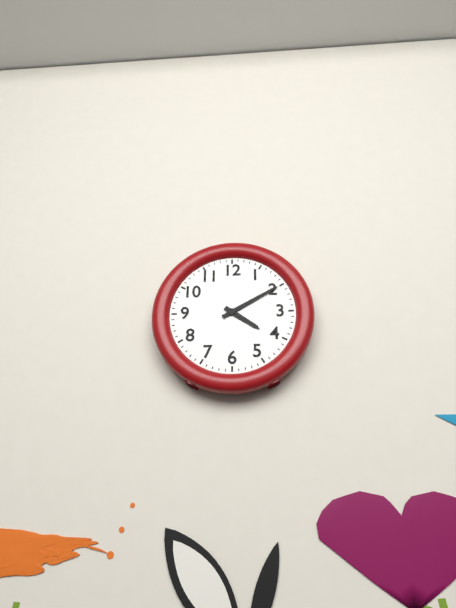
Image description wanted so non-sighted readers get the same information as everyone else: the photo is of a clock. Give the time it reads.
4:10
